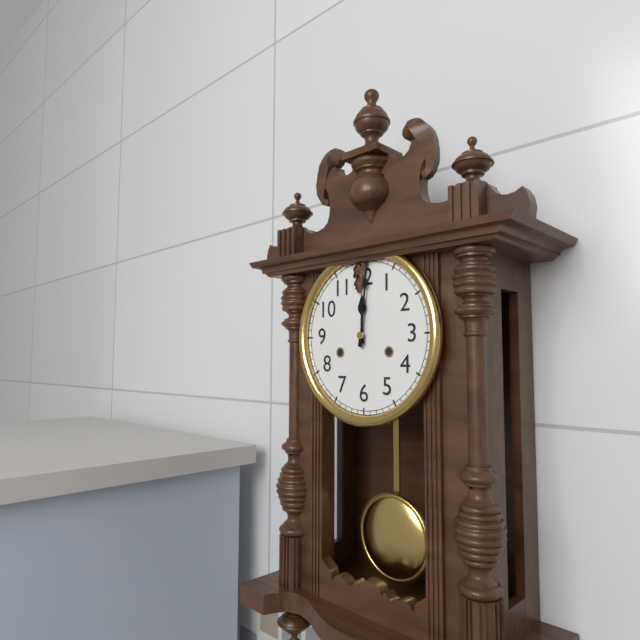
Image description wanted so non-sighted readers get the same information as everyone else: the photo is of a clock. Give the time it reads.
12:01
